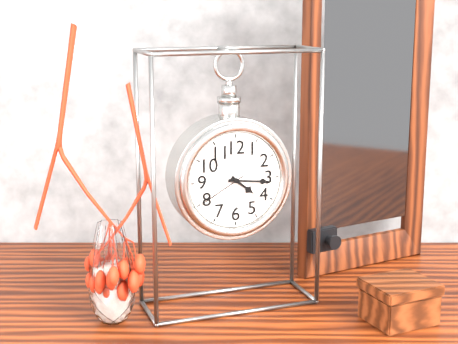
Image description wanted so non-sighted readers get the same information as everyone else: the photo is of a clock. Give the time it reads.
4:16:40
